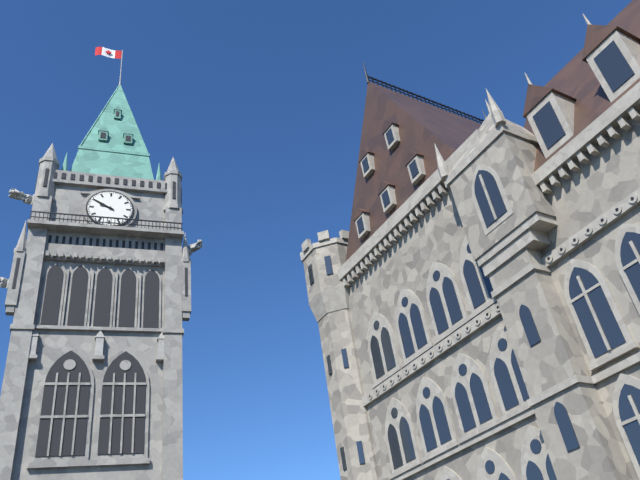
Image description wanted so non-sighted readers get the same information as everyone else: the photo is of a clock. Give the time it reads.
9:50
